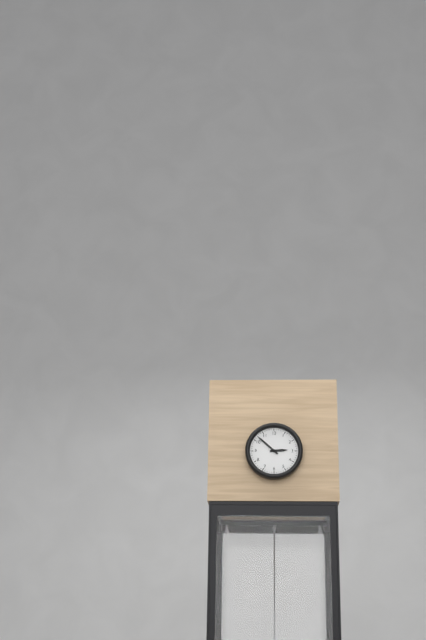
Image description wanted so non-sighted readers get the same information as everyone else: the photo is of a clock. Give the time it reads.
2:52
